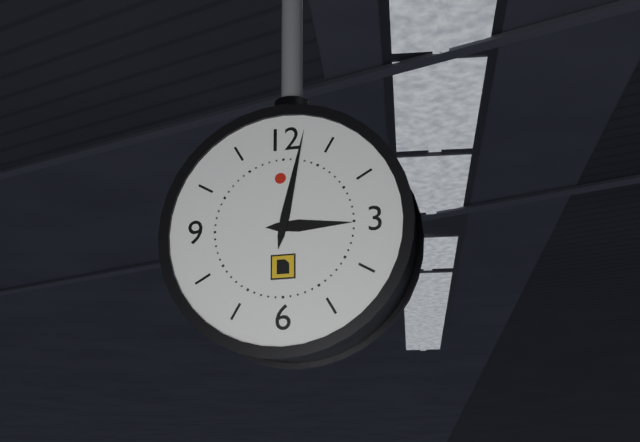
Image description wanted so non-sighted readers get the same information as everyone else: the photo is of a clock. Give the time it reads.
3:02
